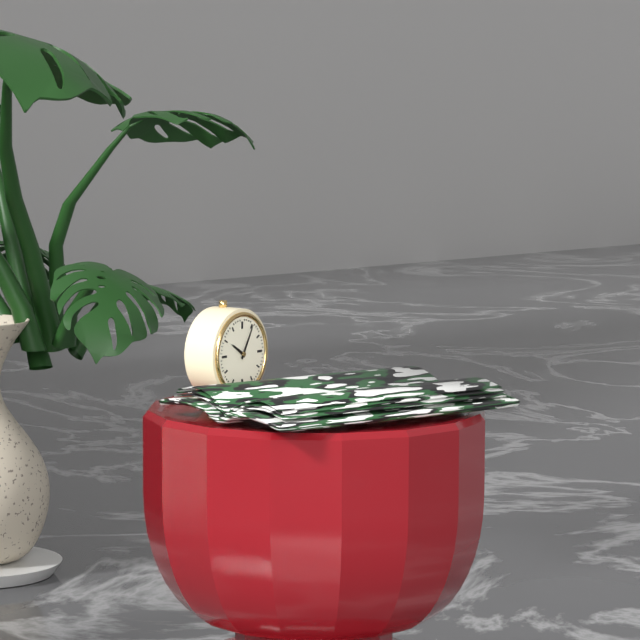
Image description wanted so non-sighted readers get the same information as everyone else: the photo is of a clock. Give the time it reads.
10:05
